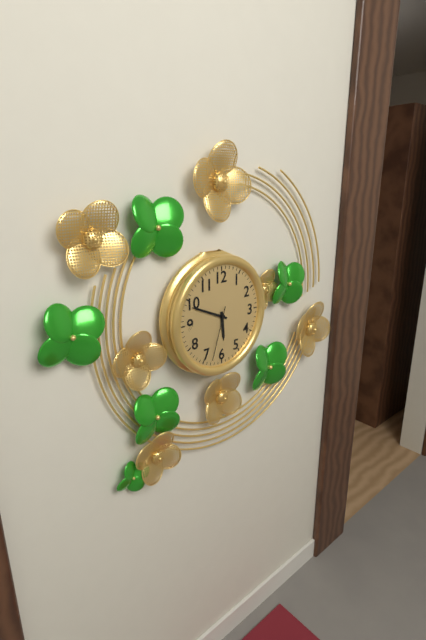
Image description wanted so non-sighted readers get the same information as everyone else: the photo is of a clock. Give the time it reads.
5:49:33
